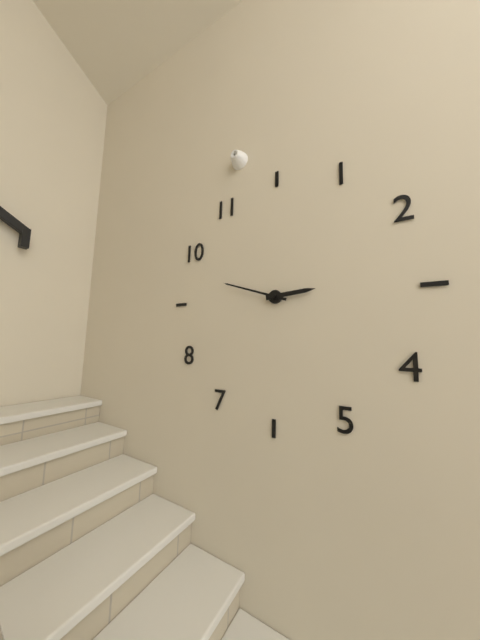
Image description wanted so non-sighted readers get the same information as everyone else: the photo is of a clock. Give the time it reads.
2:48
